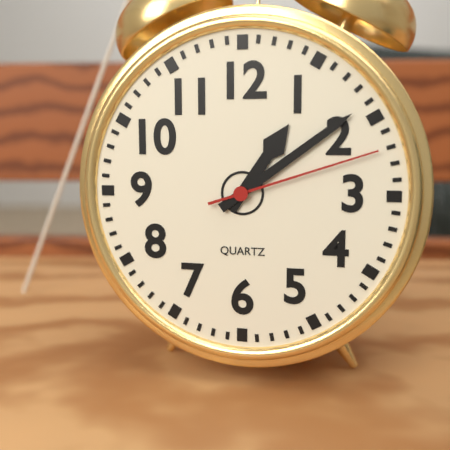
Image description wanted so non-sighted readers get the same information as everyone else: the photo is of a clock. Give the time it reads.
1:09:12
